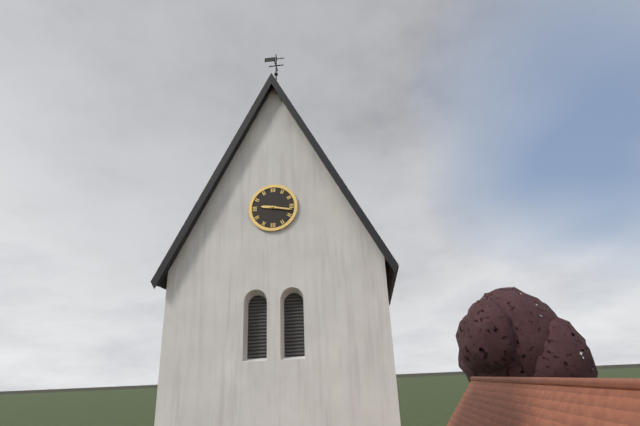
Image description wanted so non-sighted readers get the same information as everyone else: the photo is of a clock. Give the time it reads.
9:17
